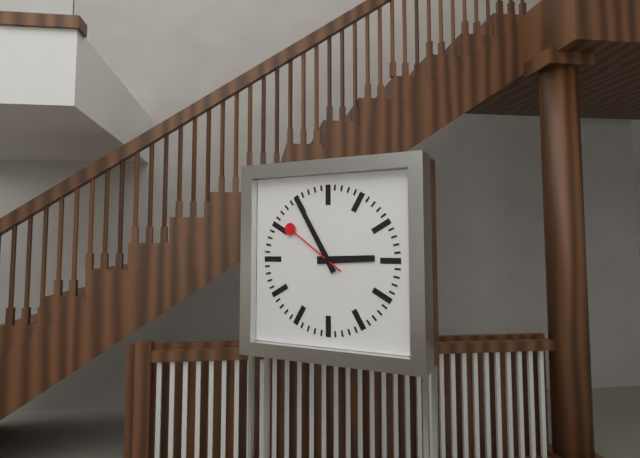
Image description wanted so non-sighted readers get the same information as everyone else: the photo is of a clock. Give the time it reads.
2:55:51
